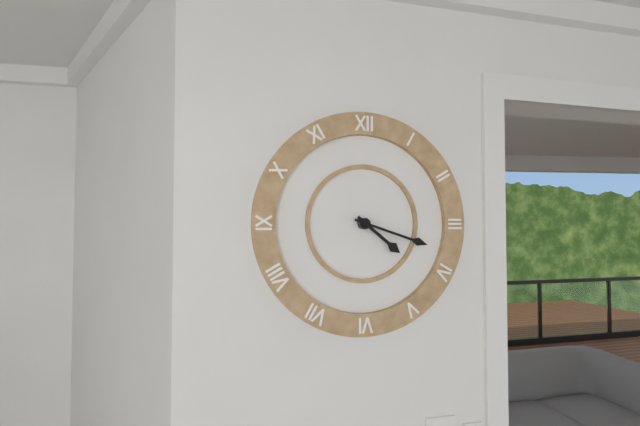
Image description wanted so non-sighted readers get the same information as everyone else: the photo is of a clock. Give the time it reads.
4:18
